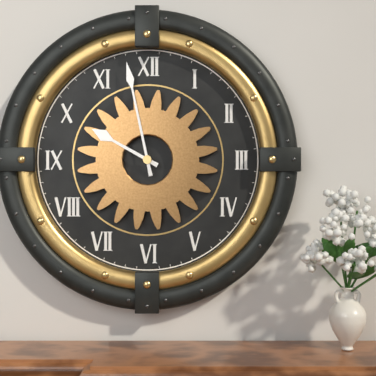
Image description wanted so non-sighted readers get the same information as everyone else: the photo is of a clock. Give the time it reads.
9:58
